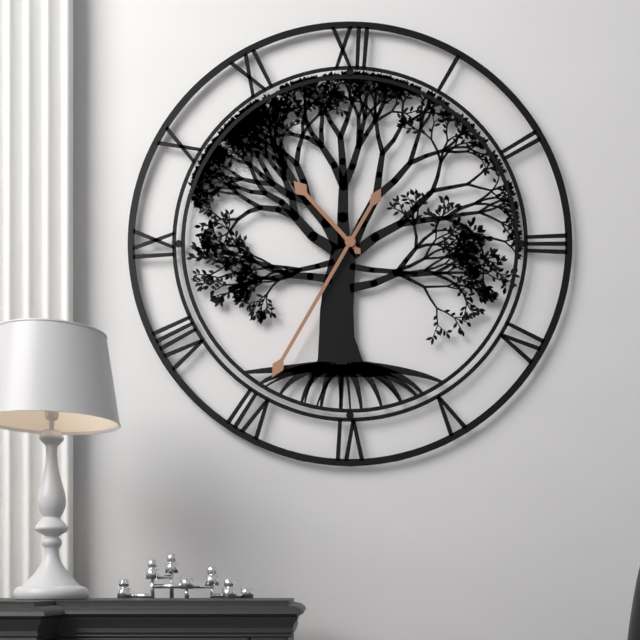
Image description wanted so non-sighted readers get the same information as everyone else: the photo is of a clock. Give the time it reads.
10:35
